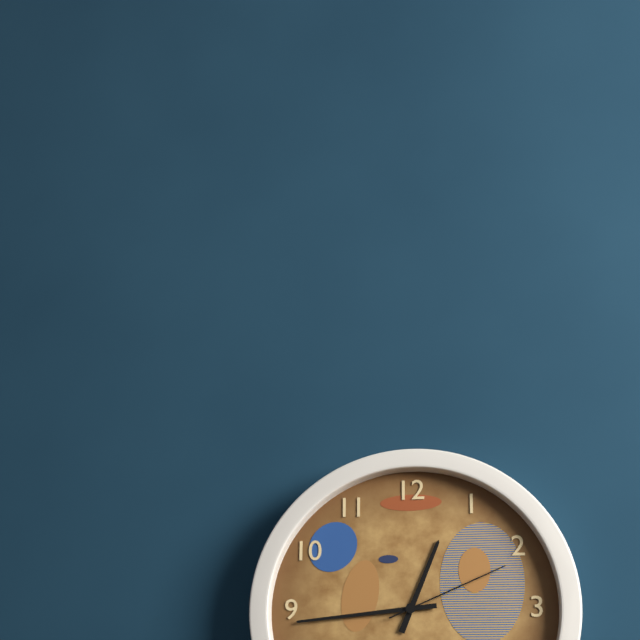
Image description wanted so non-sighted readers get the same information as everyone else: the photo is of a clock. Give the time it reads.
12:44:11
